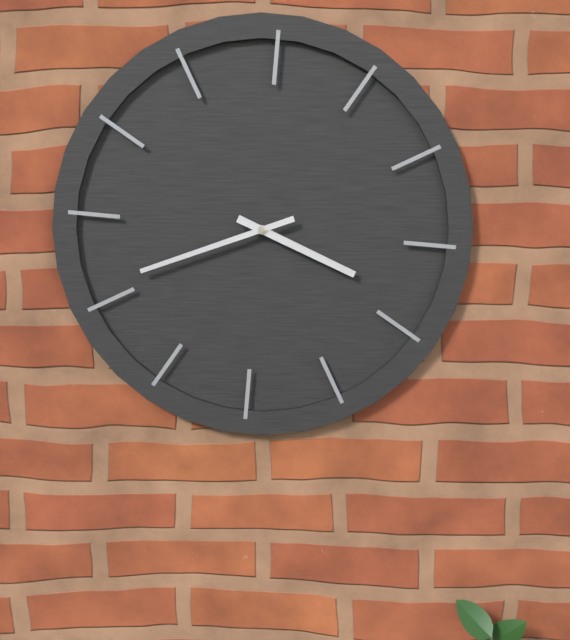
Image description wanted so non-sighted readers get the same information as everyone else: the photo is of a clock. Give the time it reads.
3:41
